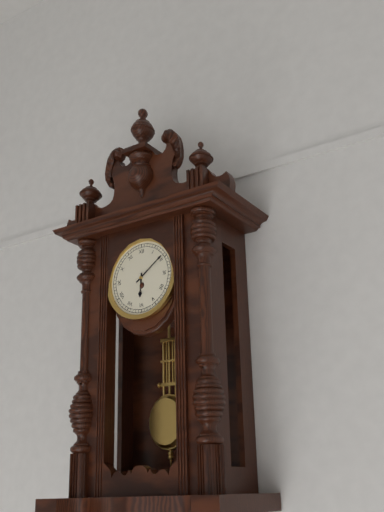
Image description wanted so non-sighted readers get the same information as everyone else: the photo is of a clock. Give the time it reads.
6:09
